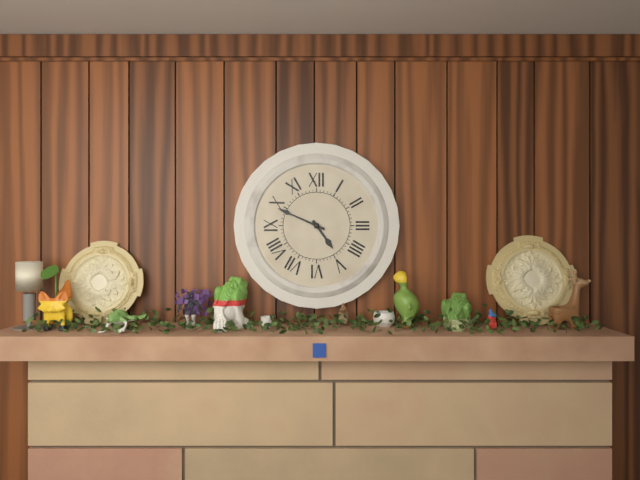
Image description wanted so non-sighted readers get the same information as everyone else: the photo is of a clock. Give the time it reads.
4:49
